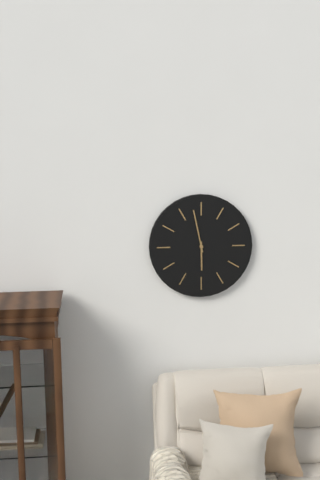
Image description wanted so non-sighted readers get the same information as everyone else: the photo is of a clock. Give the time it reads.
5:58
